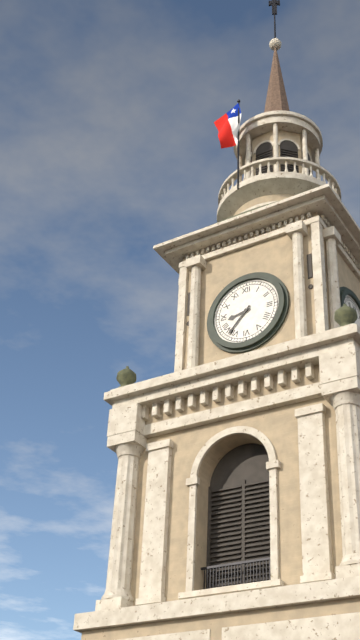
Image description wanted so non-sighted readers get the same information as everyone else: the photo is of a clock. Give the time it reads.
8:37
